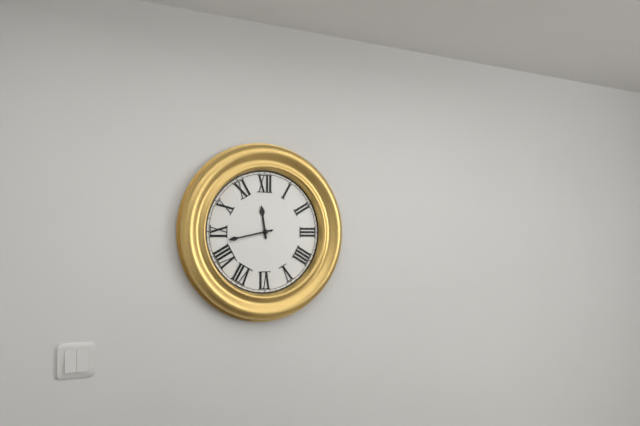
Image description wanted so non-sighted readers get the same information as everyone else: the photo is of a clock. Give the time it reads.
11:43
